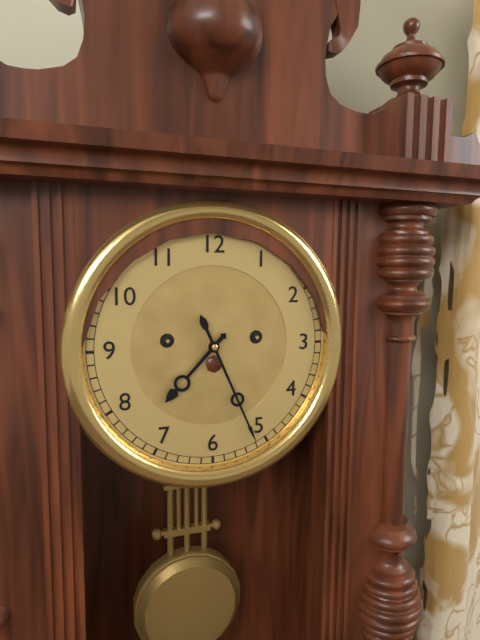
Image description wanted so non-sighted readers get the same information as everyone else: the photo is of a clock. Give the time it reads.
7:26
